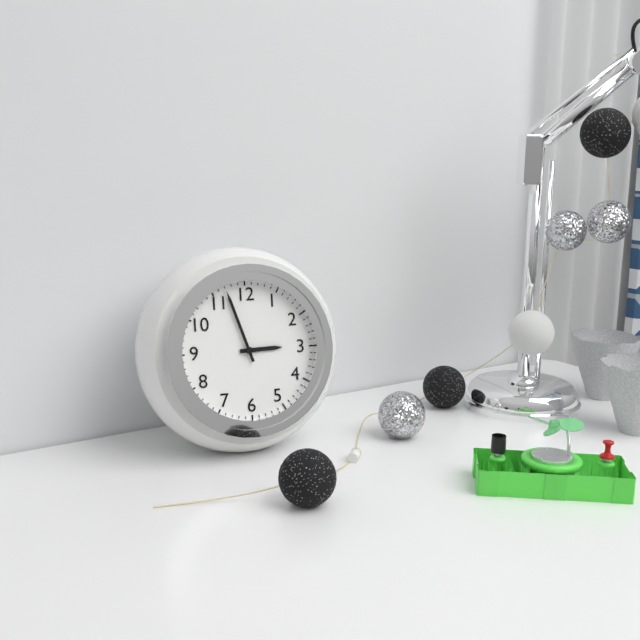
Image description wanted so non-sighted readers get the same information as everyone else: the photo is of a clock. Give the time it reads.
2:57
